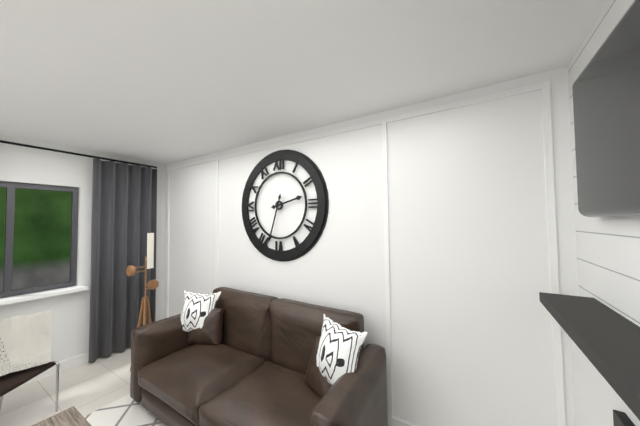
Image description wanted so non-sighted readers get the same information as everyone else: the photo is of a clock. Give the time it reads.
2:33
